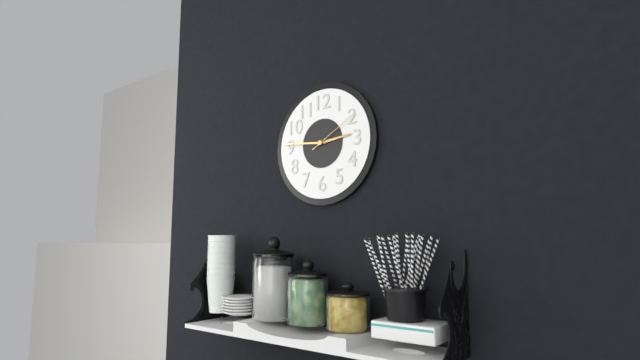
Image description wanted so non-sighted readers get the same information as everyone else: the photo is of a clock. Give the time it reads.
2:46:10
